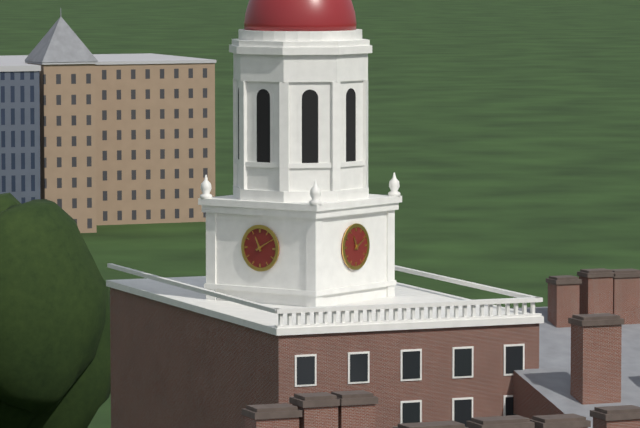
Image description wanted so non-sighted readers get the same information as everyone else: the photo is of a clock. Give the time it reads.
11:10
